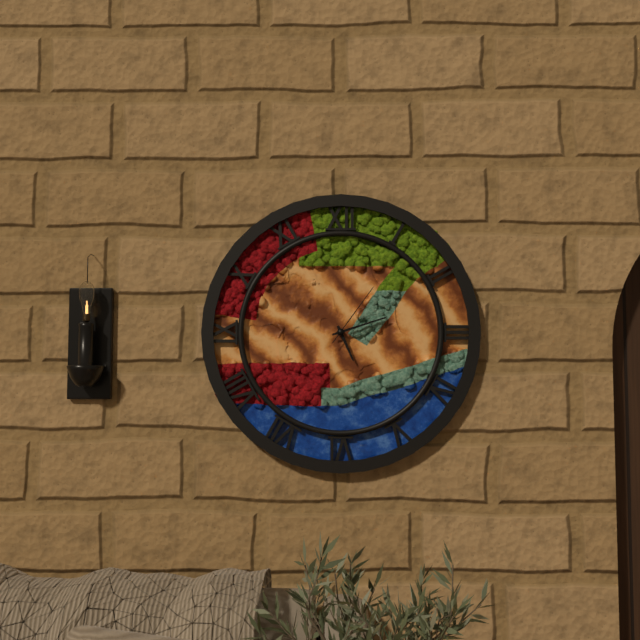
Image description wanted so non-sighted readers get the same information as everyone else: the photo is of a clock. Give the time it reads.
5:12:06
